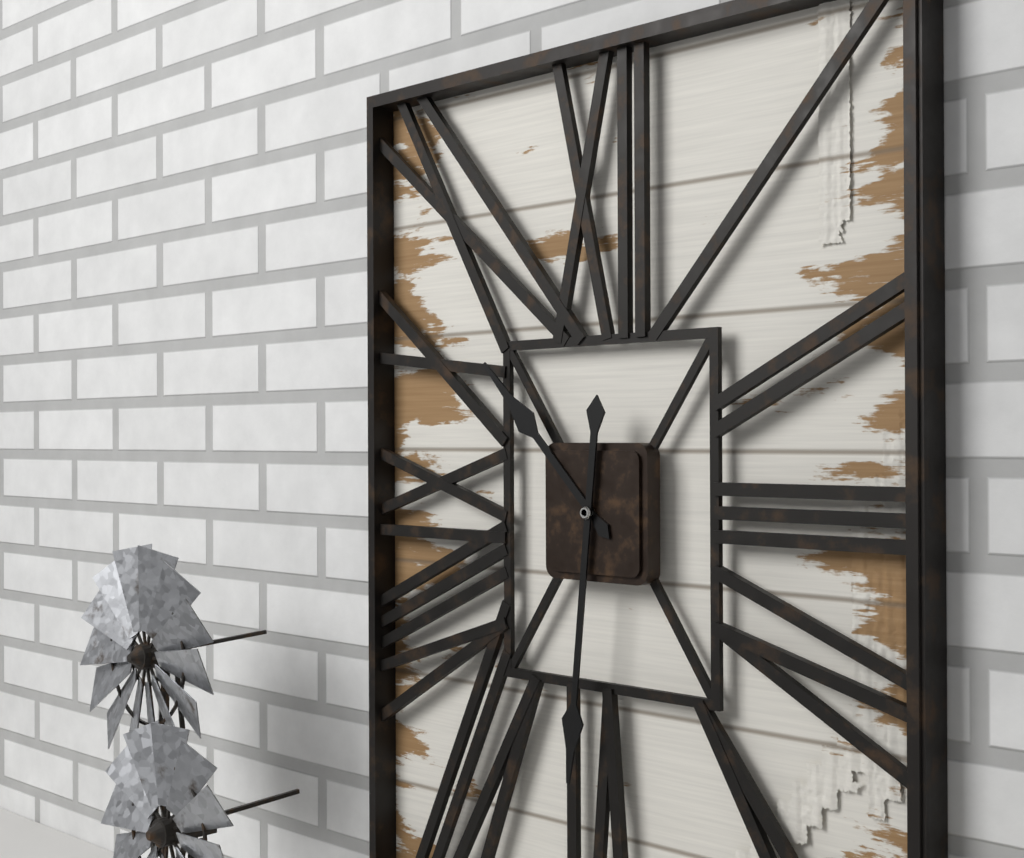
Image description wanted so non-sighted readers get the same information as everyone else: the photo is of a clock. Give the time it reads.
10:31
